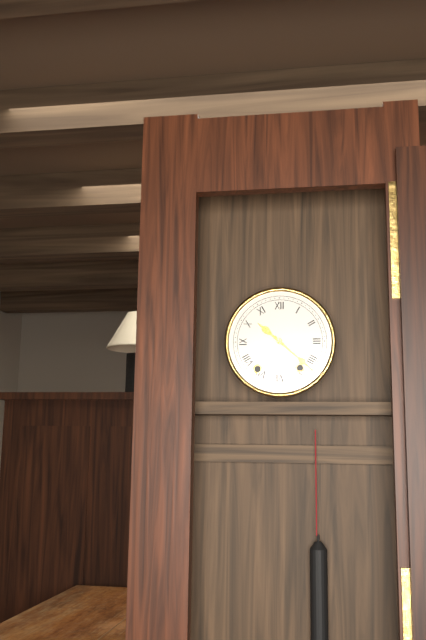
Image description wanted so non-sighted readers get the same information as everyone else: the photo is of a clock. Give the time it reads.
10:22
